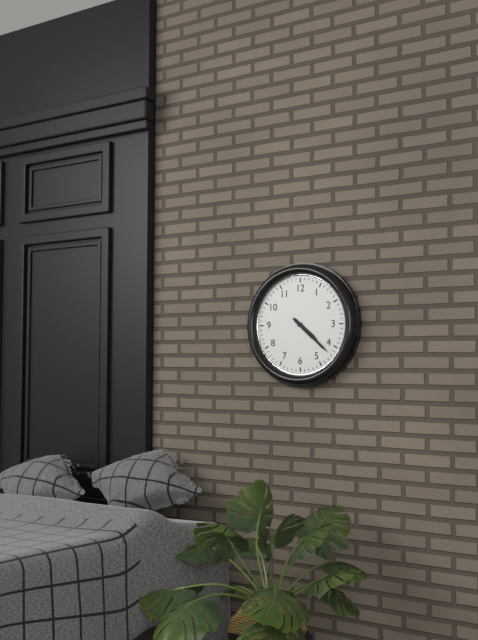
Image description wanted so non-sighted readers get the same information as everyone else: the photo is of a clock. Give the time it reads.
4:22
